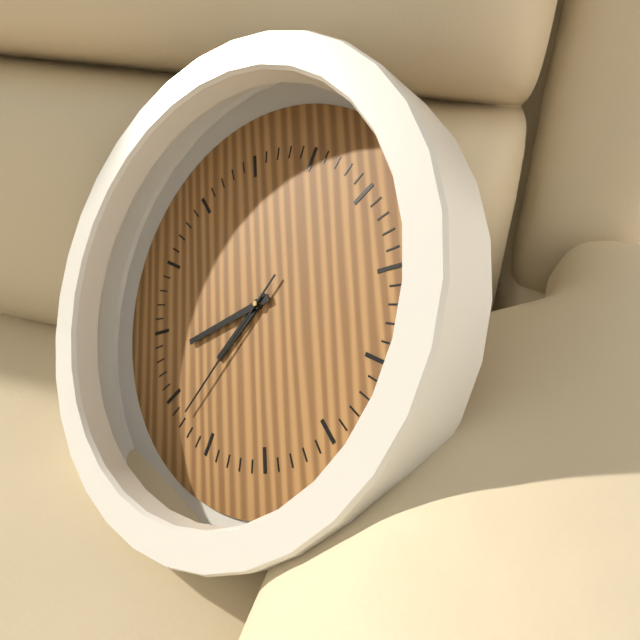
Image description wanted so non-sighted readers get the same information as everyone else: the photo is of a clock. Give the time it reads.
7:43:38
